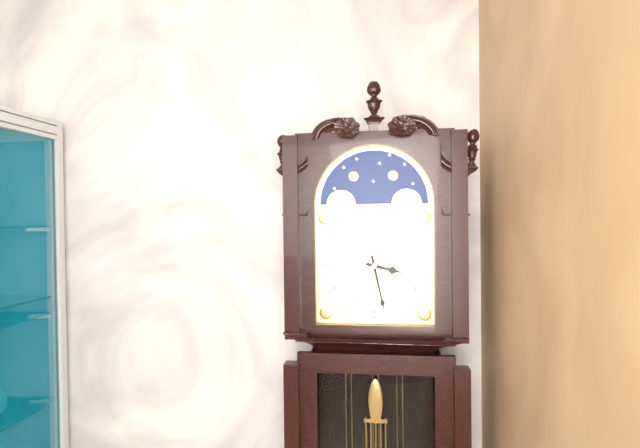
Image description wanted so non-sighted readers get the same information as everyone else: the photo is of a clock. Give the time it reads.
3:28
